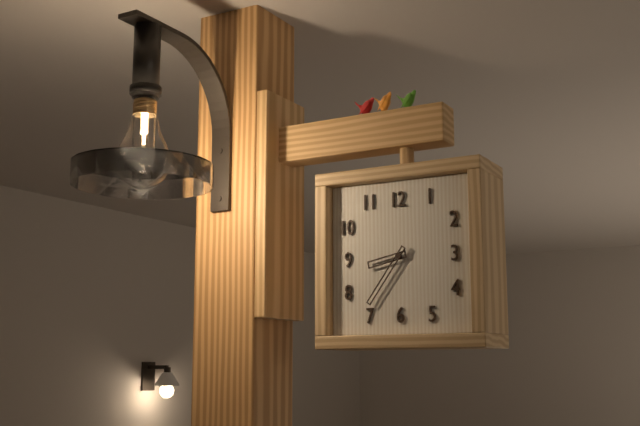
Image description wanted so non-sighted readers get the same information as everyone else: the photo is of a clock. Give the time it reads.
8:36
